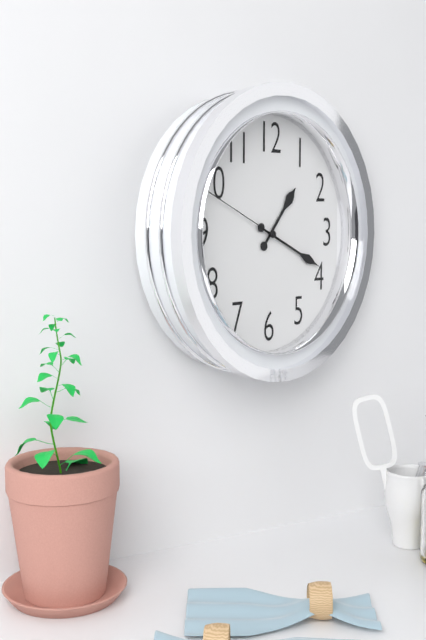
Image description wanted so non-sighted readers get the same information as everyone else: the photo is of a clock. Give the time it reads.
1:19:49
